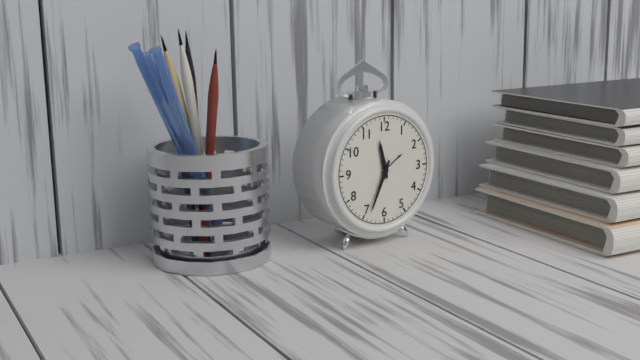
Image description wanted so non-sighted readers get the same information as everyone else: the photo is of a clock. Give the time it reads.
11:34
